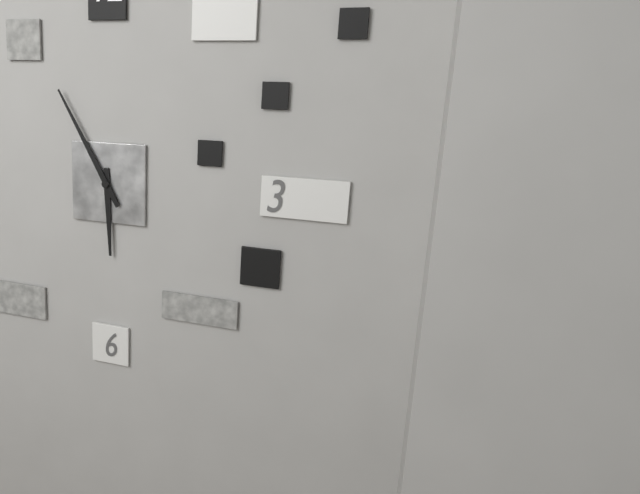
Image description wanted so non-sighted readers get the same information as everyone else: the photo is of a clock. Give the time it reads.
5:55
